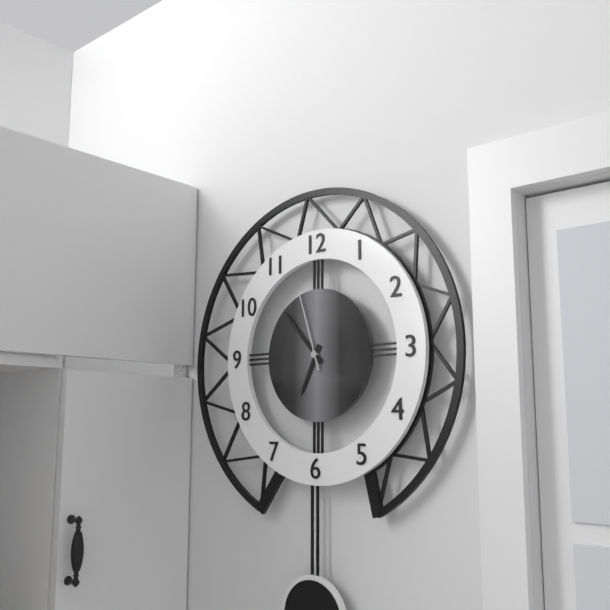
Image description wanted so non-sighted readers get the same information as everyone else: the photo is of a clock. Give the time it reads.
6:53:57
